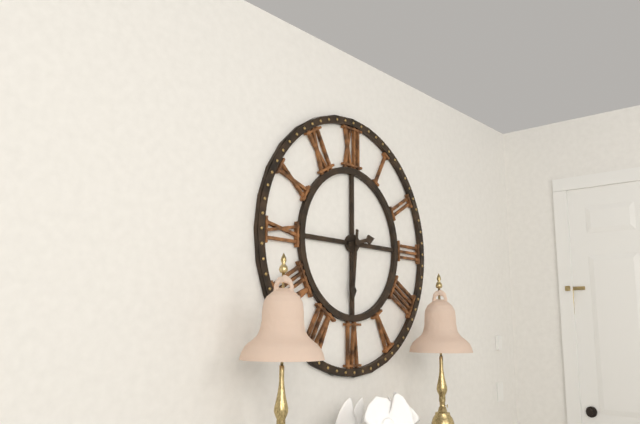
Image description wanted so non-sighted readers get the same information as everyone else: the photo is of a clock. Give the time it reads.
2:31
